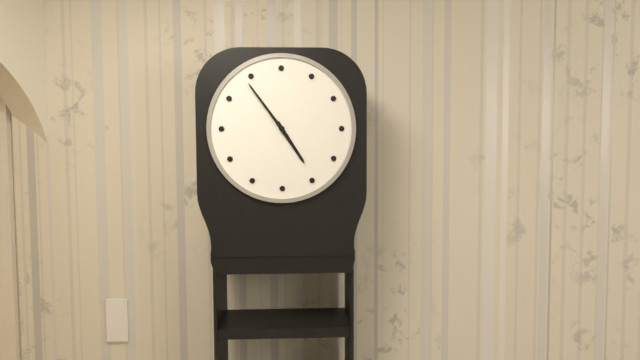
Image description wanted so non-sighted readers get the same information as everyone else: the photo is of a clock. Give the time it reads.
4:54
